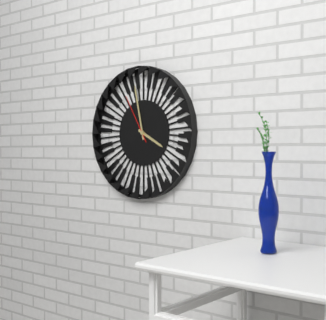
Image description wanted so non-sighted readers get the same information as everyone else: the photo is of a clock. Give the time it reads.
3:58:55
